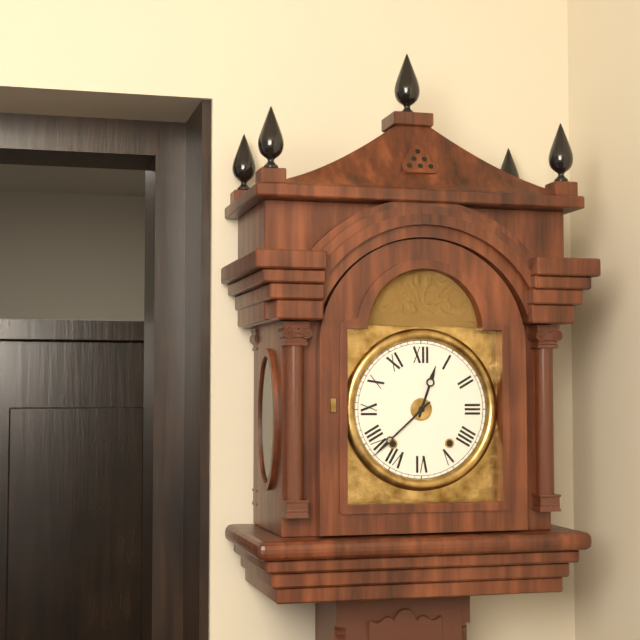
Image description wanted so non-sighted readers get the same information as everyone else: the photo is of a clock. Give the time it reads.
12:38
